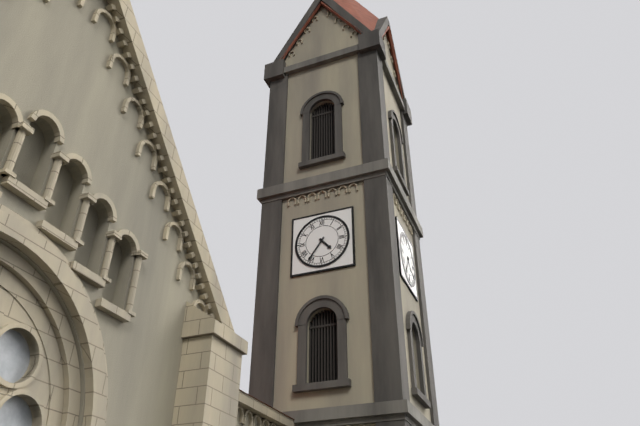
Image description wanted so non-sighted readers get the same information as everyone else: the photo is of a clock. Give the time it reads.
4:36
